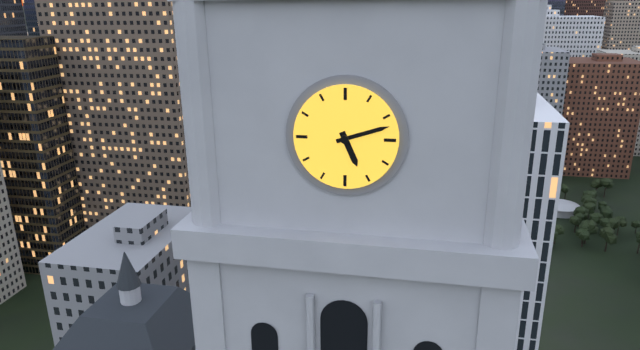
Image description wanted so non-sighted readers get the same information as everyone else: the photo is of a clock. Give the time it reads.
5:12
